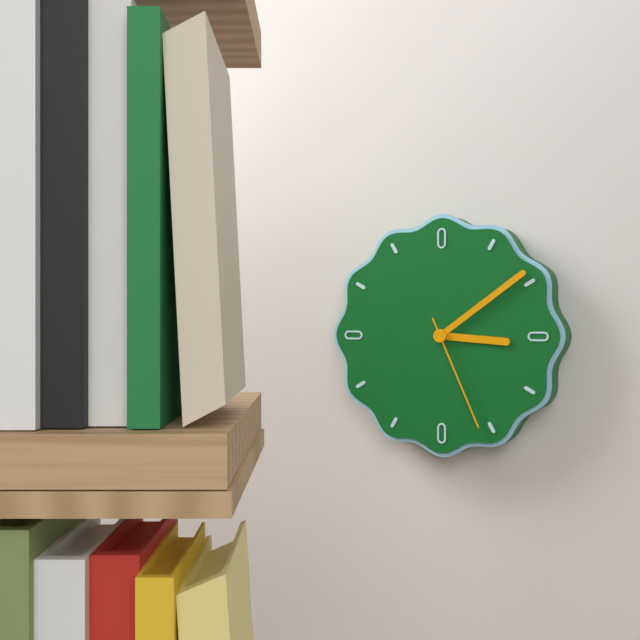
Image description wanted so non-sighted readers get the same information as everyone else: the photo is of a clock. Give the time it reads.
3:09:26
